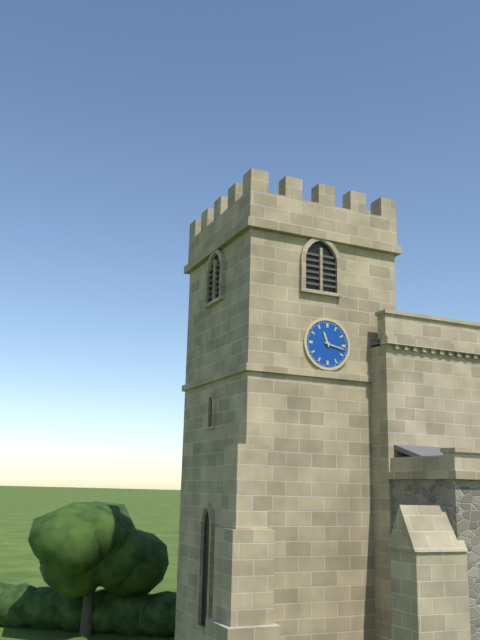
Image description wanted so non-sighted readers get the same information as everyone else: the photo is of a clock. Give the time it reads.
11:17
